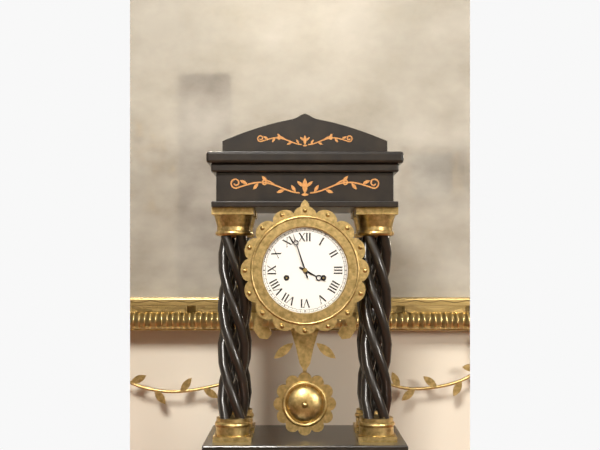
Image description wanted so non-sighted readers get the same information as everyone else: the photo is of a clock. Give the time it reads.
3:57
